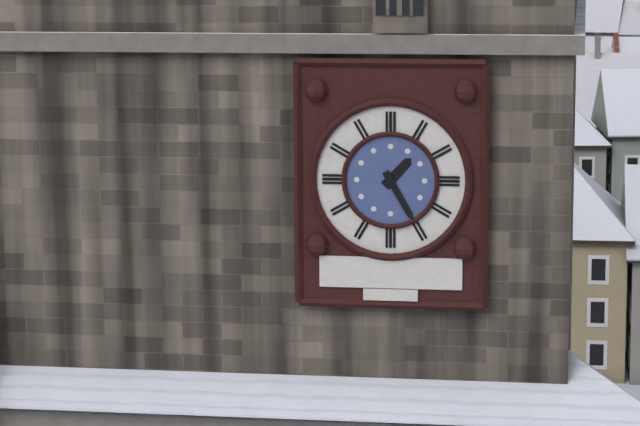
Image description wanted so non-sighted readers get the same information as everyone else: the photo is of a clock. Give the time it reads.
1:25
